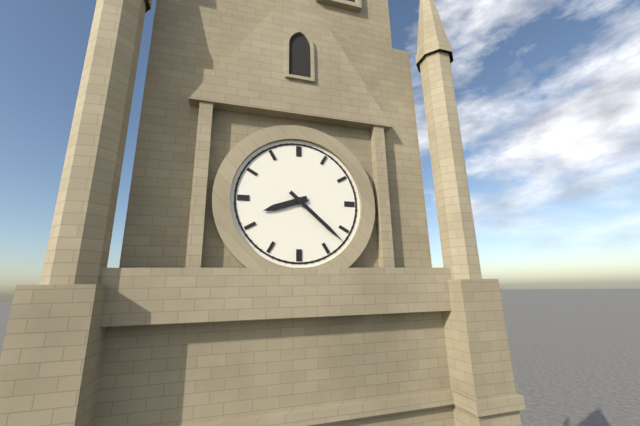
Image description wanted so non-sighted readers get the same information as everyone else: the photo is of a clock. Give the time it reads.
8:22
